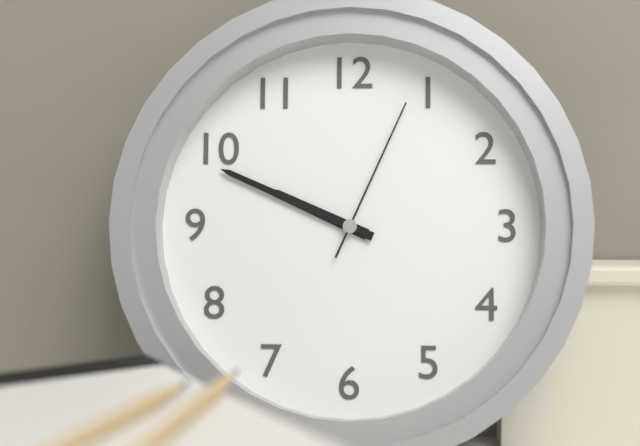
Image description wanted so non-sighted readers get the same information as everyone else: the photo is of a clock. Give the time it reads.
9:49:04
